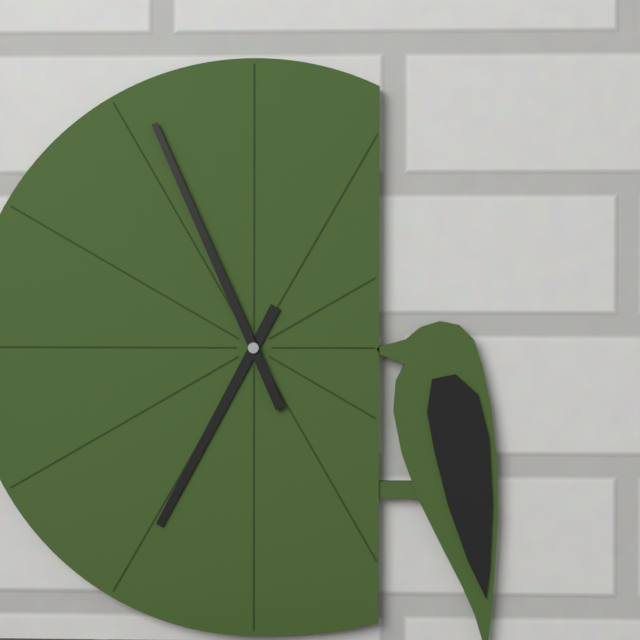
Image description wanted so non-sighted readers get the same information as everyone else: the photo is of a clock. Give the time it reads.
6:56
